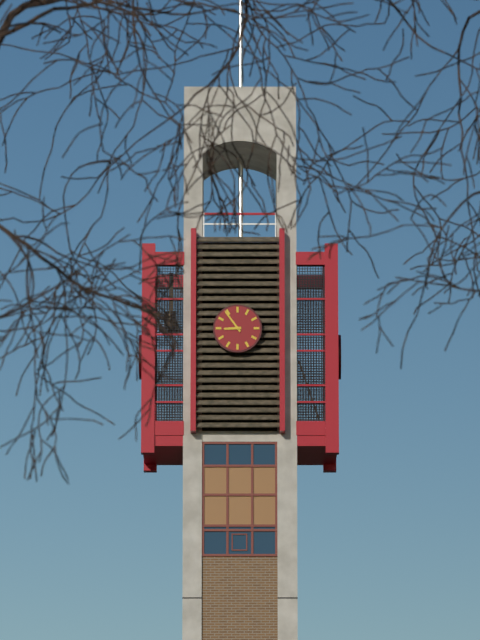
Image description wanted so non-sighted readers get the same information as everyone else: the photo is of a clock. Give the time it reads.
8:54
